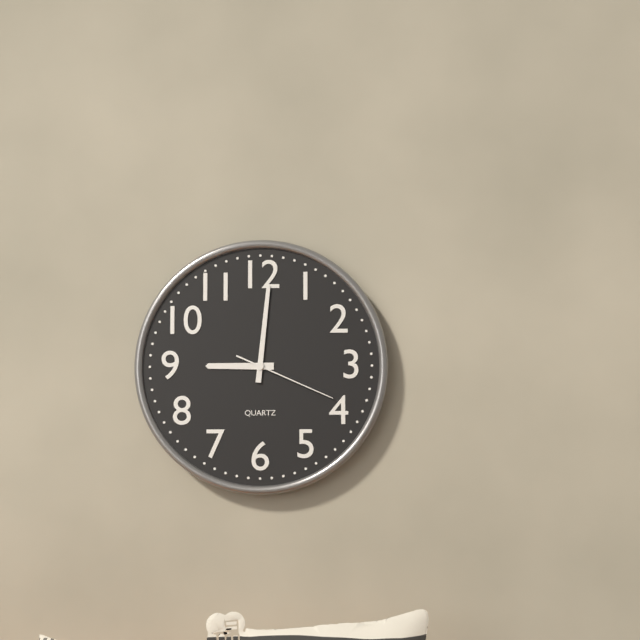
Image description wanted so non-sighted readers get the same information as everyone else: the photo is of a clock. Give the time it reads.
9:01:19
